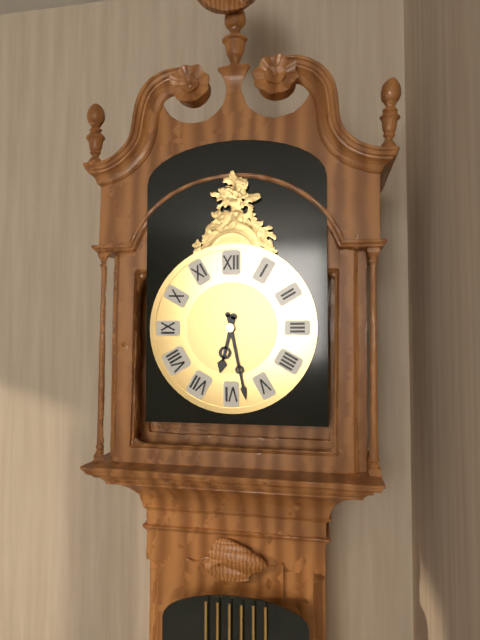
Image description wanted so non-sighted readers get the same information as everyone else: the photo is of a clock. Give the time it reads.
6:28
